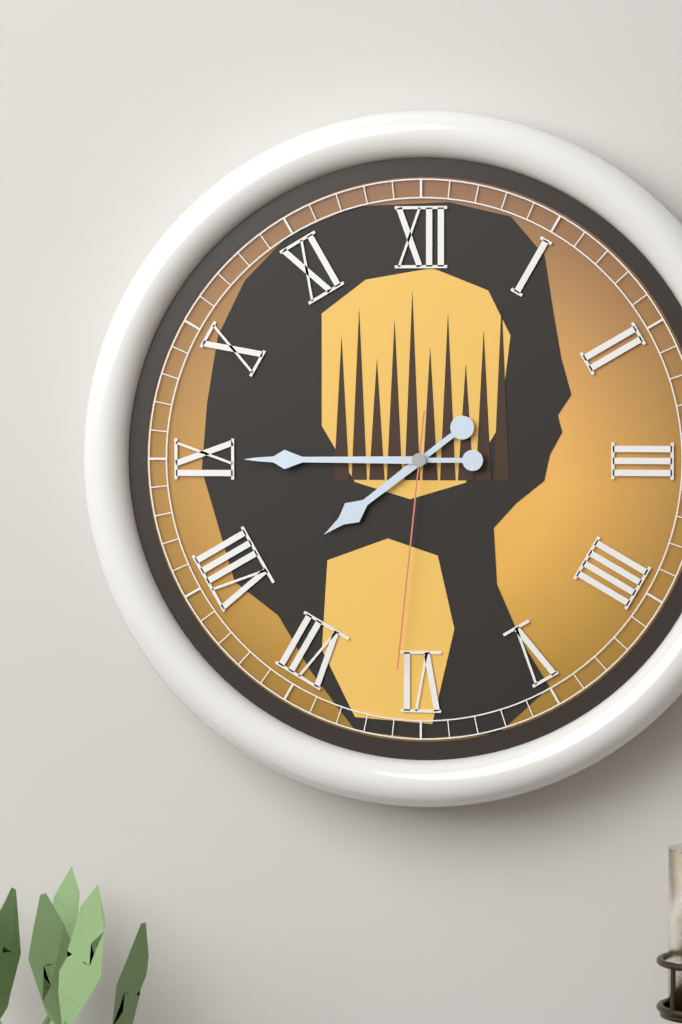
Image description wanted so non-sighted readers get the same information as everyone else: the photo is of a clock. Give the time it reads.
7:45:31
